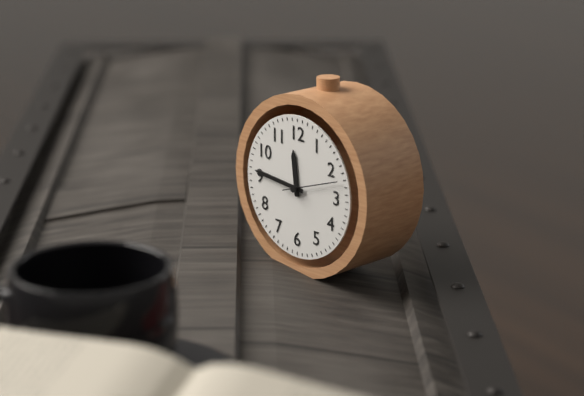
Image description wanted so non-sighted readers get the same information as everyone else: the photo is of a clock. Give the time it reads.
11:46:12
